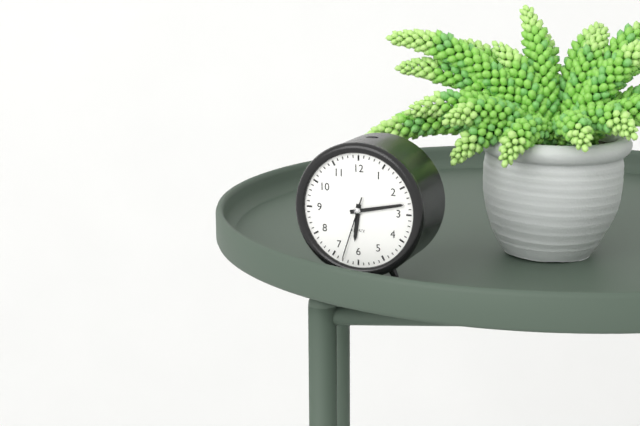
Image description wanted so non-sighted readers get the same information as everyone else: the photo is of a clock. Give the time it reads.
6:13:33
